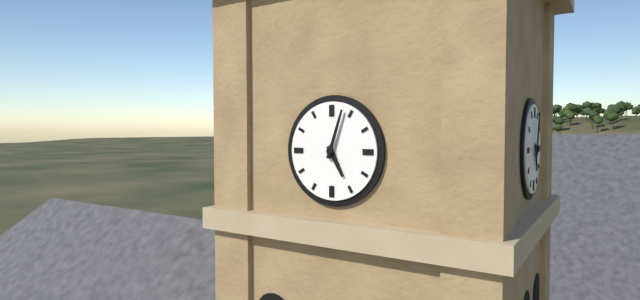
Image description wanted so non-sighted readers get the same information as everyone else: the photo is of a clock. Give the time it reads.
5:03
